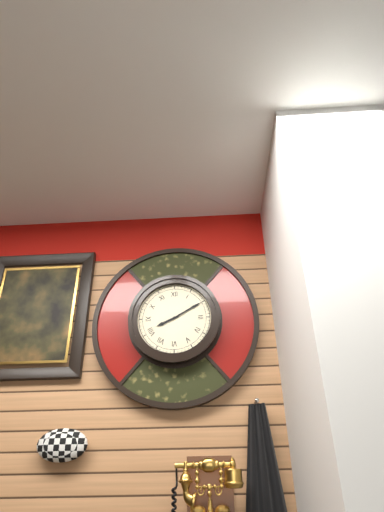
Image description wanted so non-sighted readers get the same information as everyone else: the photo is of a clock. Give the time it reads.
8:10
